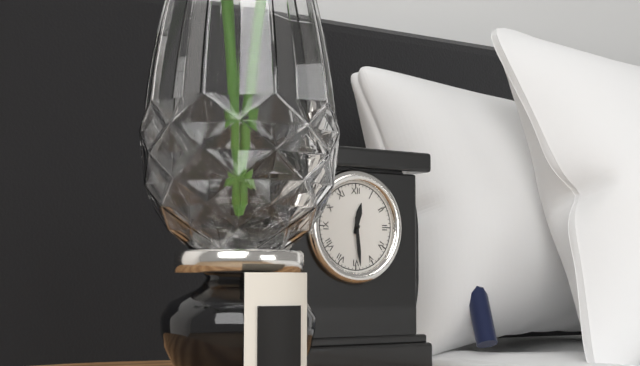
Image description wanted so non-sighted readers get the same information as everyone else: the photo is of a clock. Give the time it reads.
12:29
